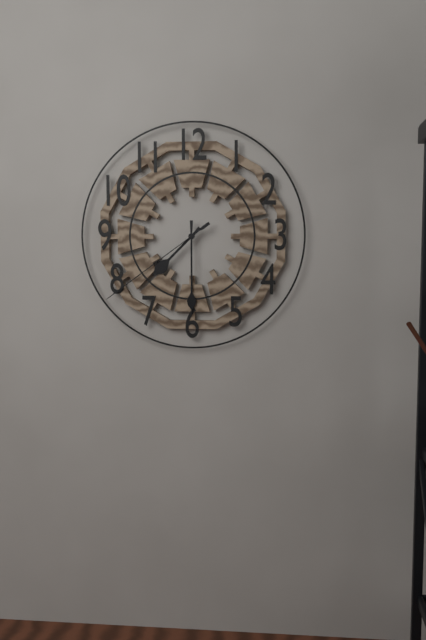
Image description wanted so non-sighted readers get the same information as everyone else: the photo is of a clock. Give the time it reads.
7:30:39
